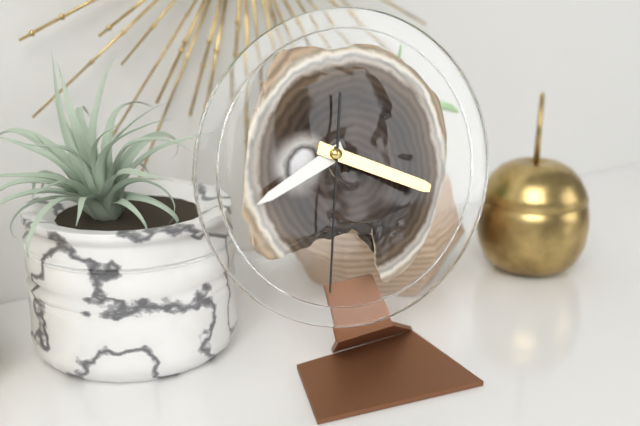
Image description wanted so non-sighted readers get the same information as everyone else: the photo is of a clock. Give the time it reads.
8:19:32
